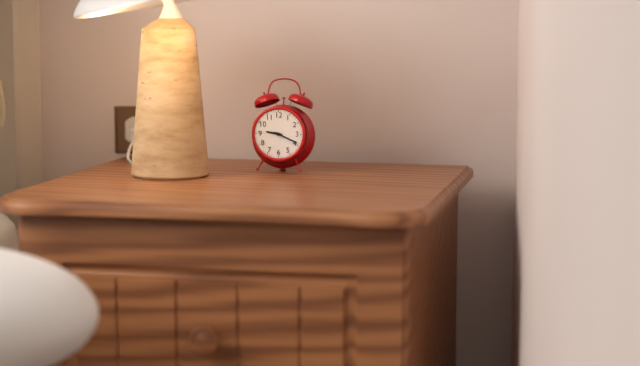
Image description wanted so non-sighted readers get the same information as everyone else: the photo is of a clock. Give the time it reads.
9:19
